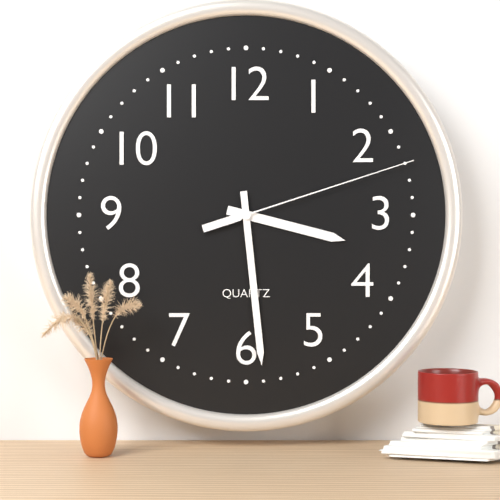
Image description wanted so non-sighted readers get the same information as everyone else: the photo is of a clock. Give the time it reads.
3:29:12
